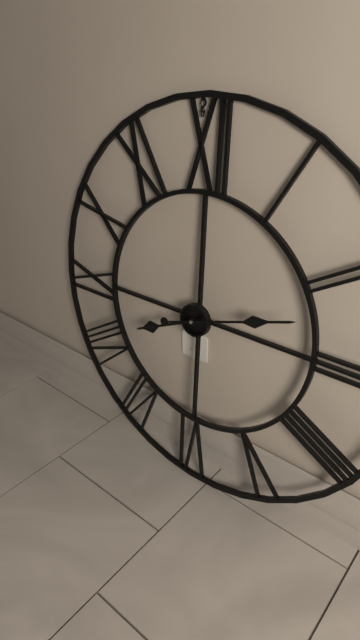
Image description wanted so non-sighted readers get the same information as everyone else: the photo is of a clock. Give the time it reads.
8:12
